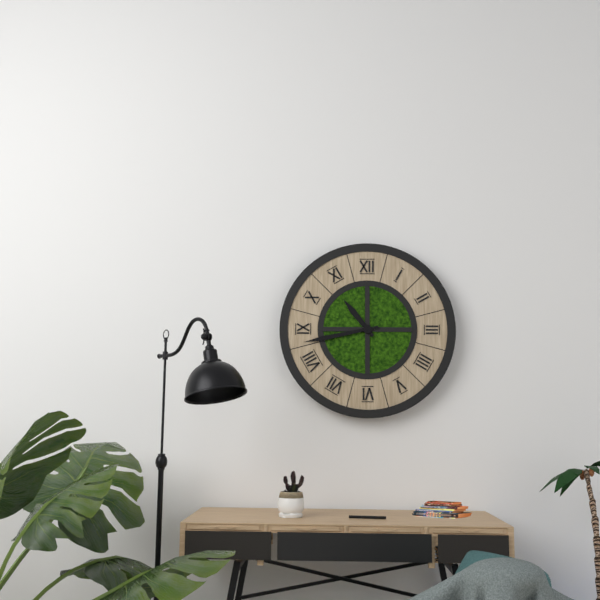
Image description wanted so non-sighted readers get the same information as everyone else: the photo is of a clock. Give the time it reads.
10:43
